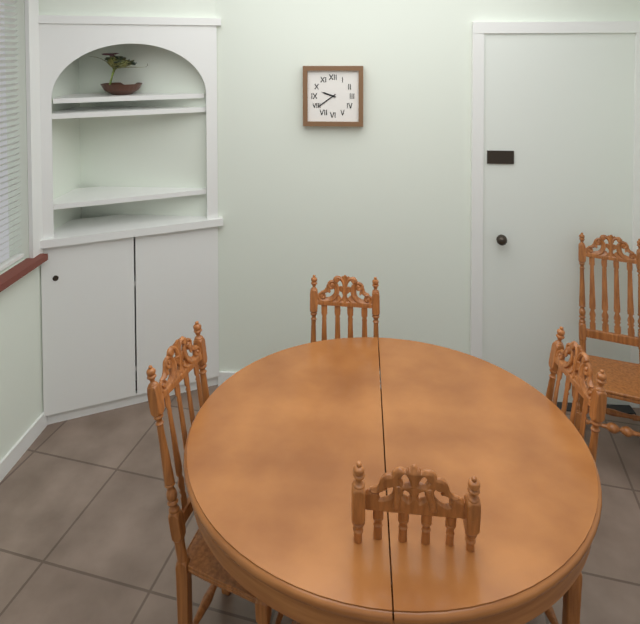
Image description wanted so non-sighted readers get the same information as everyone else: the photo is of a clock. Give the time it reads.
9:39
